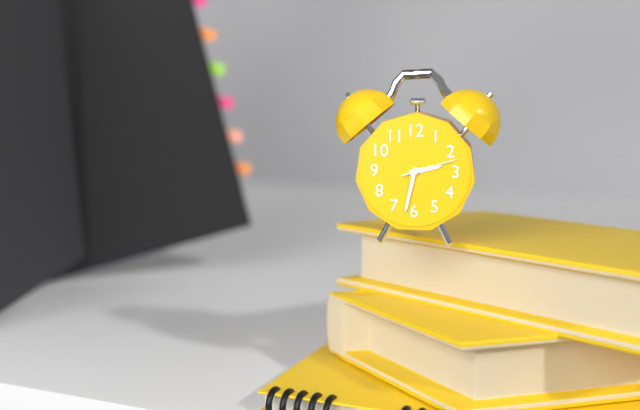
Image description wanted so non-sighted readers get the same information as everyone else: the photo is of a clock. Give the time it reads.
2:32:12
